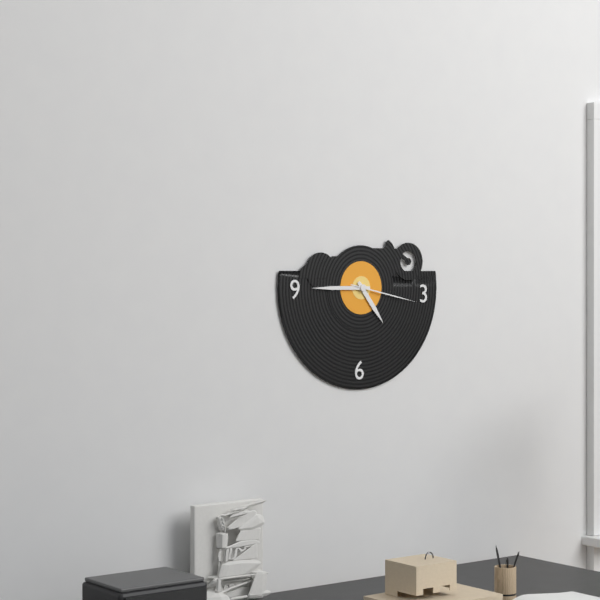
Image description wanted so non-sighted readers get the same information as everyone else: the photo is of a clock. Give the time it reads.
4:45:17
